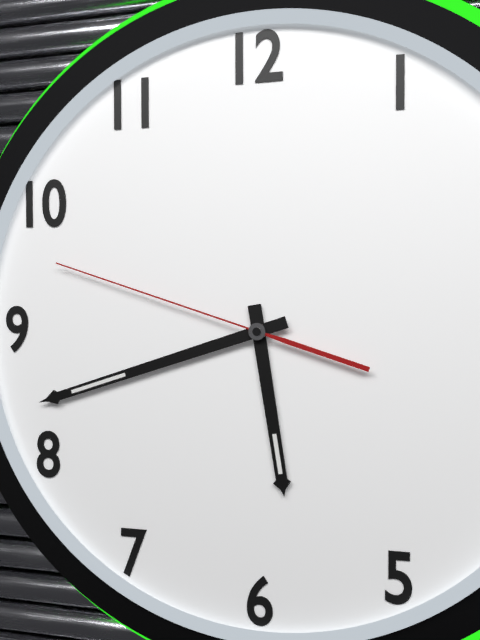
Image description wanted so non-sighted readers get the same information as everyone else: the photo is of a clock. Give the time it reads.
5:42:48
